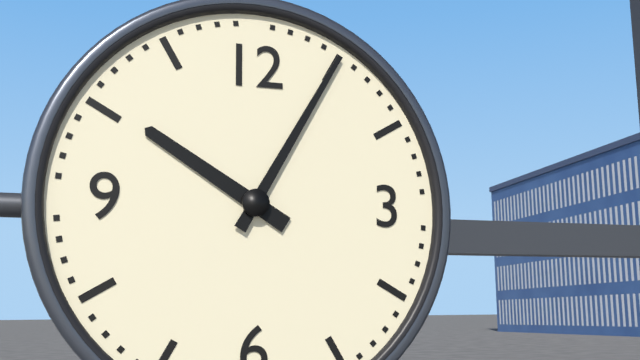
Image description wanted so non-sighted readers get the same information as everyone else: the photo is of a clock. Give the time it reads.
10:05
